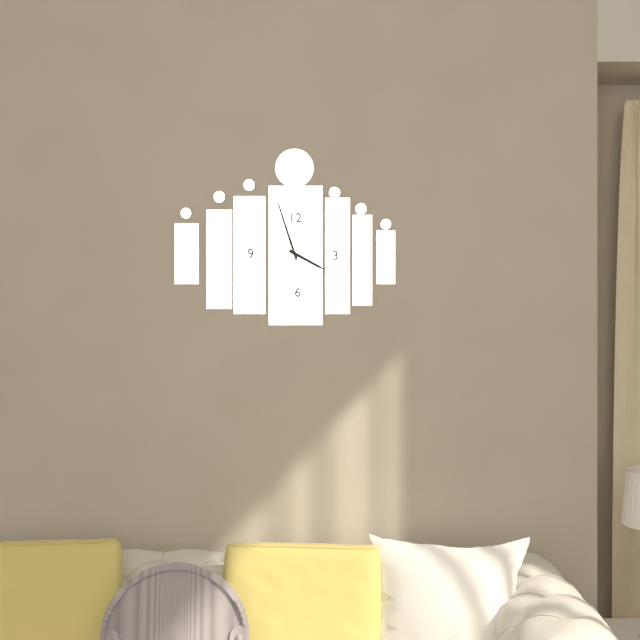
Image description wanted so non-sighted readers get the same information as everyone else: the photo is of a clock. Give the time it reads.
3:57:28
